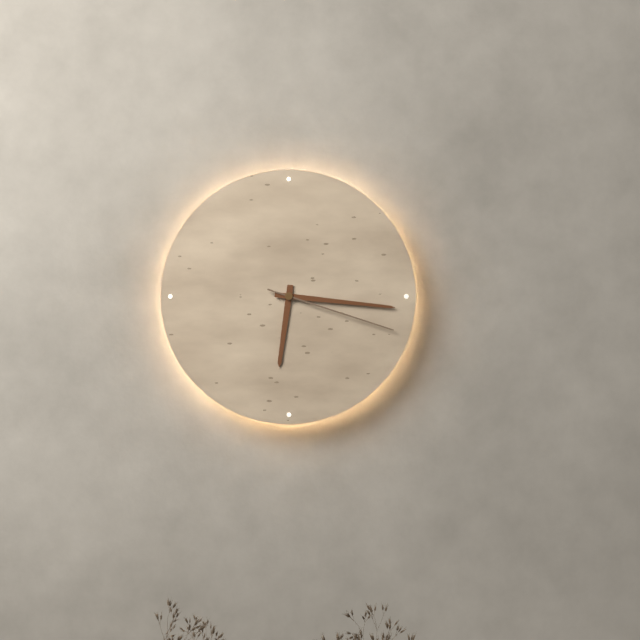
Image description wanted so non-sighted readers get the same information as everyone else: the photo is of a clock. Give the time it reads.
6:16:18
